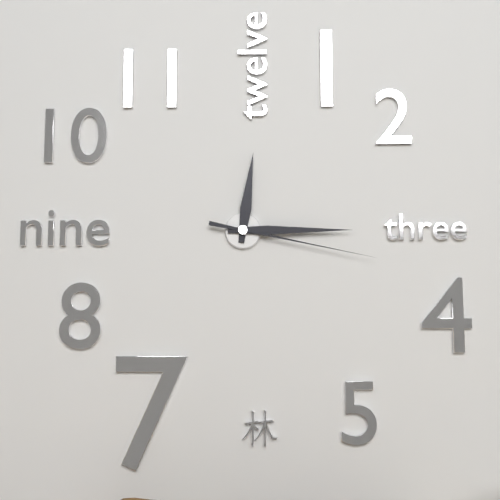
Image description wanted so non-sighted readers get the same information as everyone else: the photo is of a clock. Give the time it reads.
12:15:17
